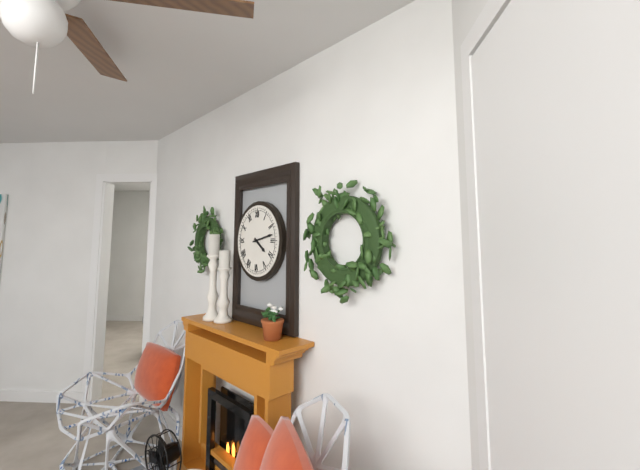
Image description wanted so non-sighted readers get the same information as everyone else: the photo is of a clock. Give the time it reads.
4:13
